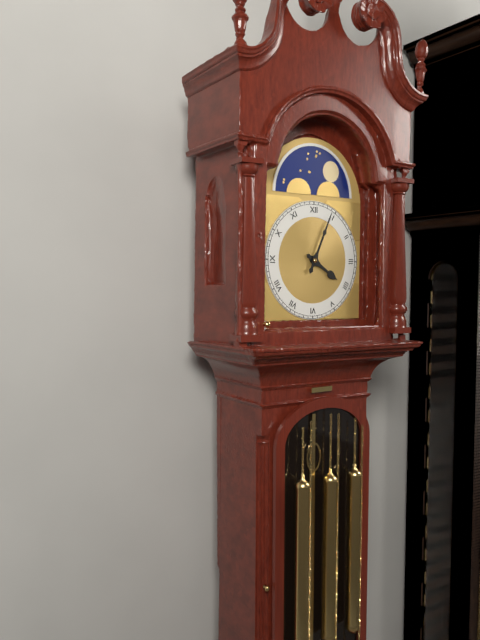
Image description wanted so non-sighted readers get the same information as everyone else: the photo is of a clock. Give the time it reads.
4:04
